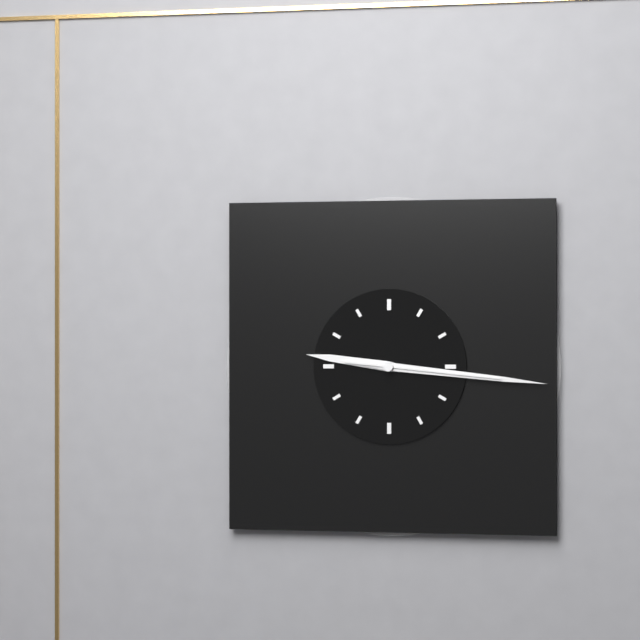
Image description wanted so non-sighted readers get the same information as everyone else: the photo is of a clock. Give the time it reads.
9:16:16
